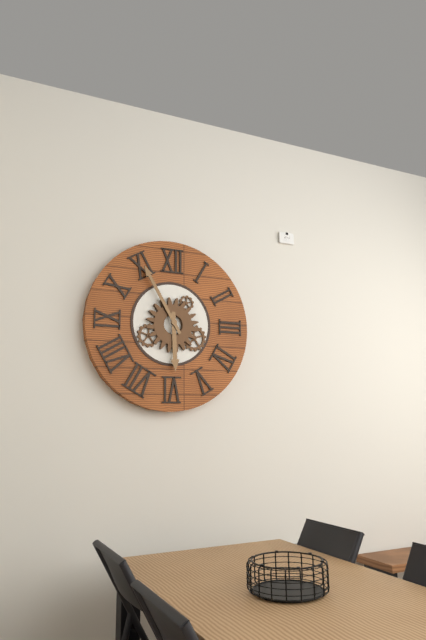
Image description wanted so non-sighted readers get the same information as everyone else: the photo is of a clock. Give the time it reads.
5:55
